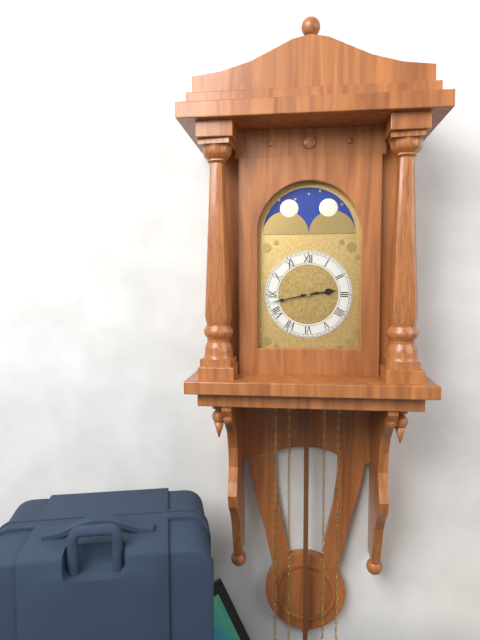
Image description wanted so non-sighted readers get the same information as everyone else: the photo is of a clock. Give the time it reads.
2:43
